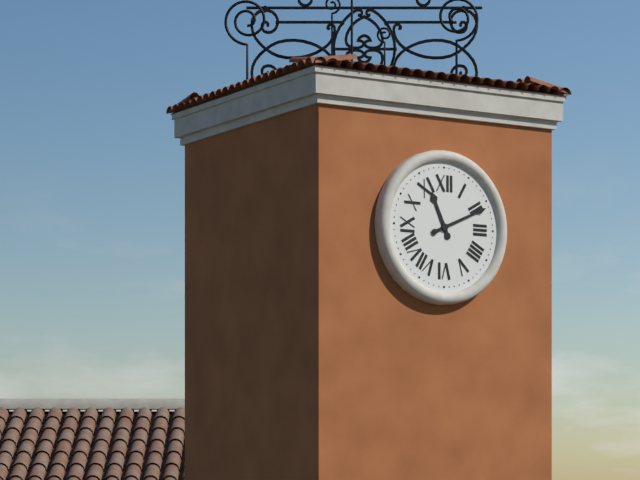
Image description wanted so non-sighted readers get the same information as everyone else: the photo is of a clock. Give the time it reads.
11:11
